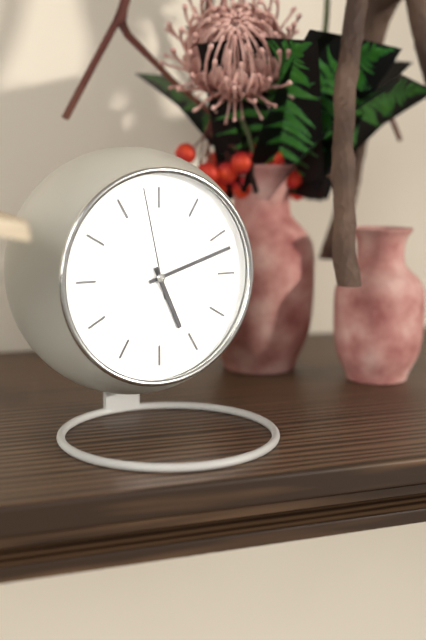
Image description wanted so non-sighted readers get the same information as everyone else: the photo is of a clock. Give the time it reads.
5:12:58
